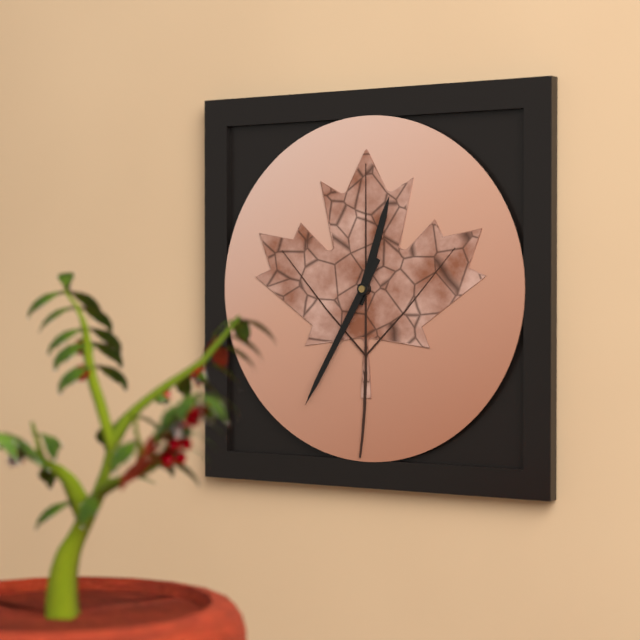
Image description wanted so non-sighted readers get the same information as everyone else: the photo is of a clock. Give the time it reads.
12:35
